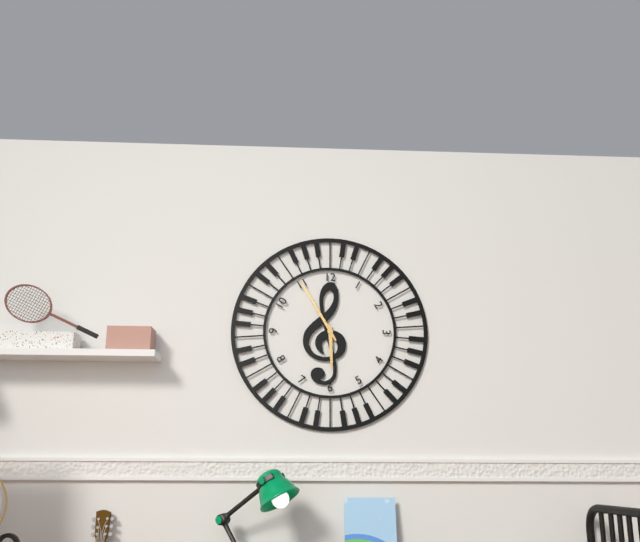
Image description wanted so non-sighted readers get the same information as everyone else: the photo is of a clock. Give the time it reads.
5:55
